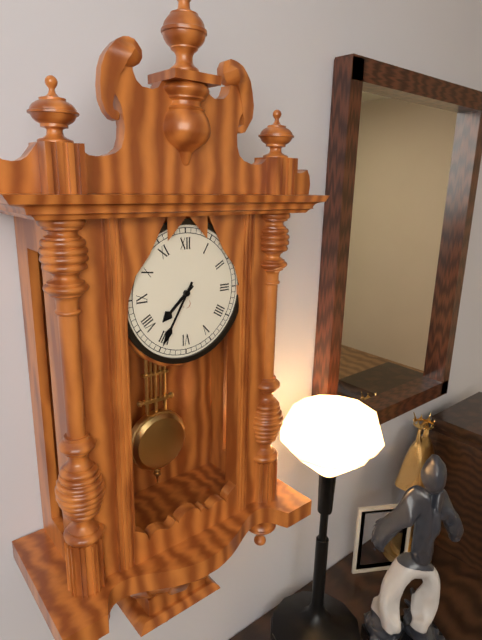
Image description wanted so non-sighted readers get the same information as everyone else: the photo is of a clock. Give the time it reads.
7:35
